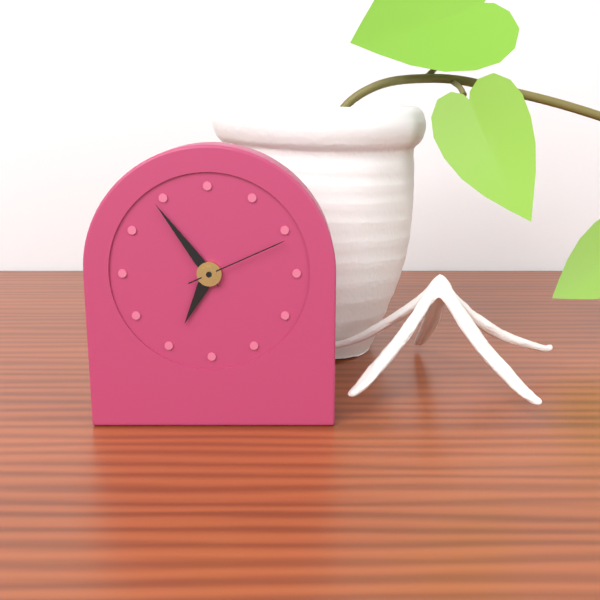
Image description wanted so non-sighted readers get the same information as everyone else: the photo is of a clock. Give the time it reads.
6:54:11
